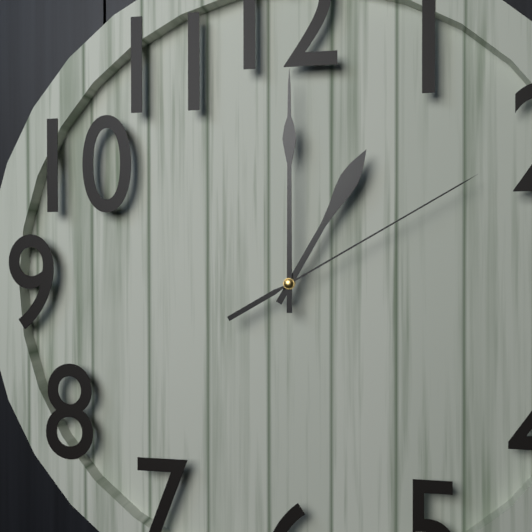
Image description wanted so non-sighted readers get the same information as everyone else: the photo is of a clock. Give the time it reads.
1:00:10
